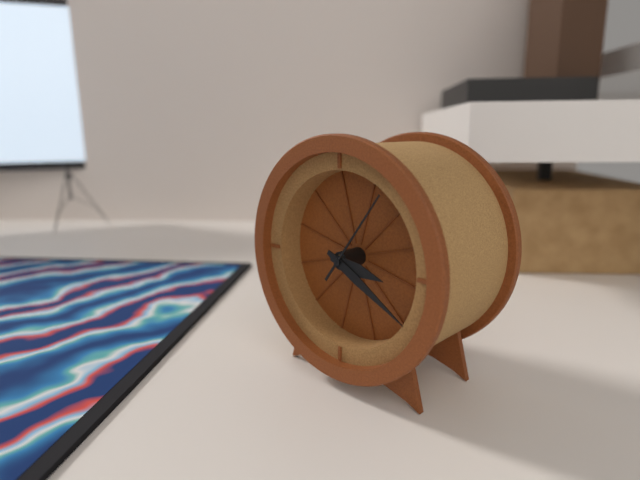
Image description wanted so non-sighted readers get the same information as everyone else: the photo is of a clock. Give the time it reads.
3:20:06
